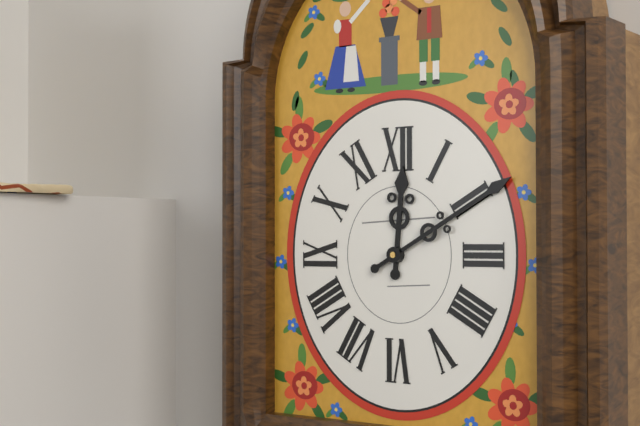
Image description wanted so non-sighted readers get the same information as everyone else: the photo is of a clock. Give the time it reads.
12:10
